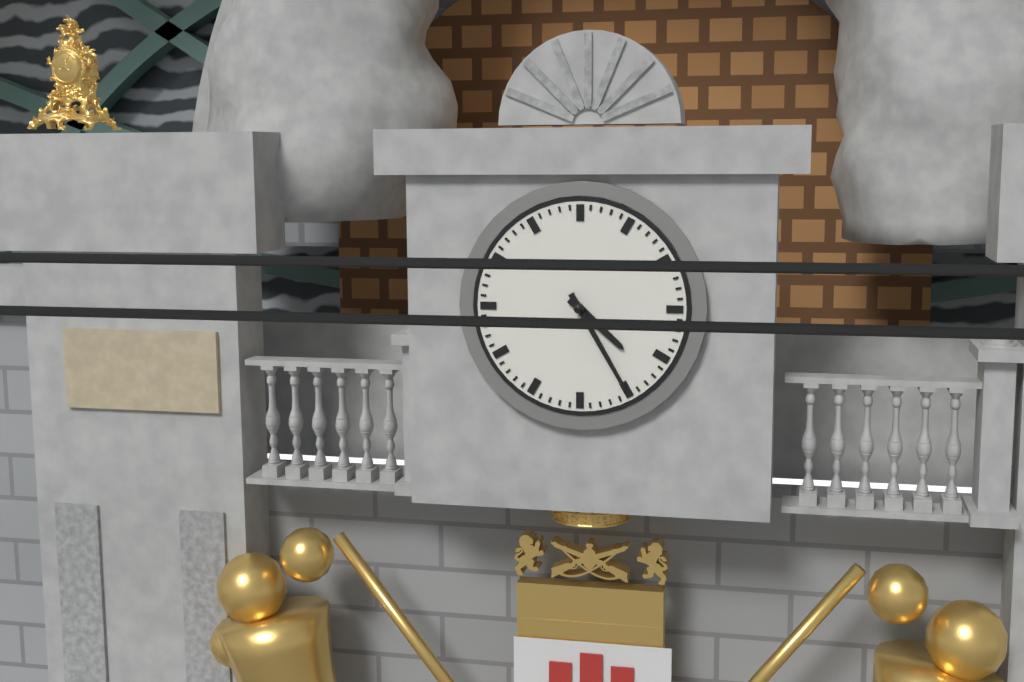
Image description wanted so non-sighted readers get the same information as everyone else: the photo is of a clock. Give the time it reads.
4:25
